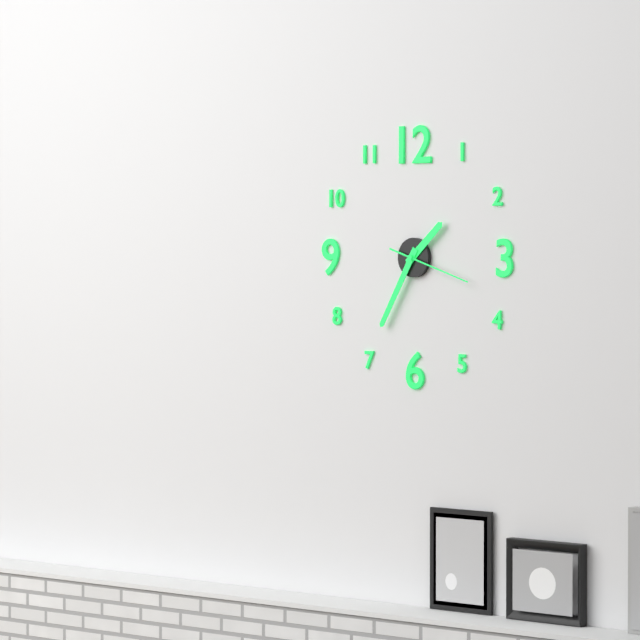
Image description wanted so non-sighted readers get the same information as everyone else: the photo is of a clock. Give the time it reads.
1:35:18
